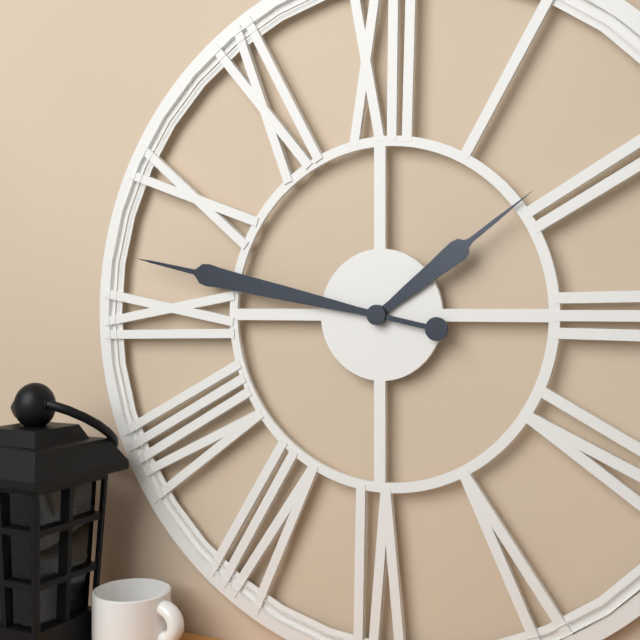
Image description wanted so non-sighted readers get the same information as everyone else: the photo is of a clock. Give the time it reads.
1:47
